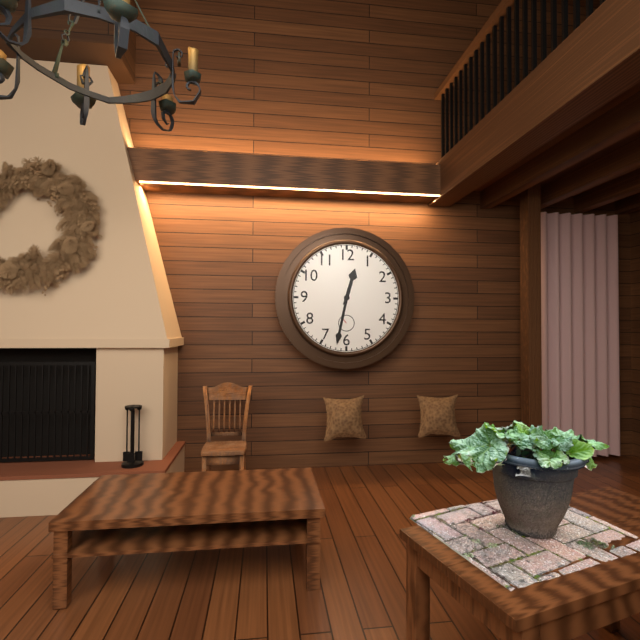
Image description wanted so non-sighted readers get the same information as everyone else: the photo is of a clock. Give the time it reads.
12:32
